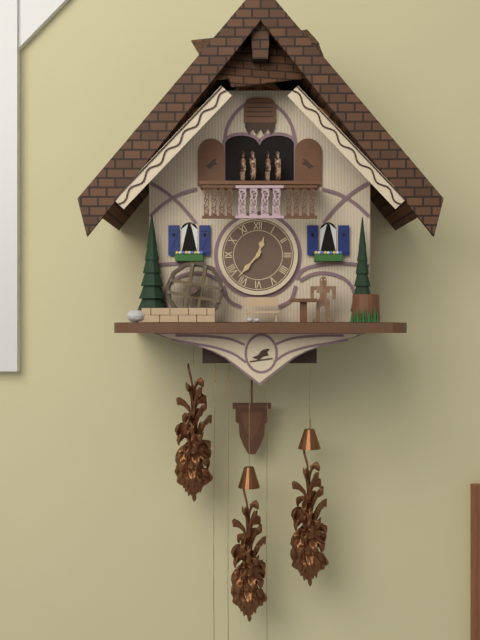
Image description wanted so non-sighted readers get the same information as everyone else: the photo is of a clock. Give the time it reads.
12:37
